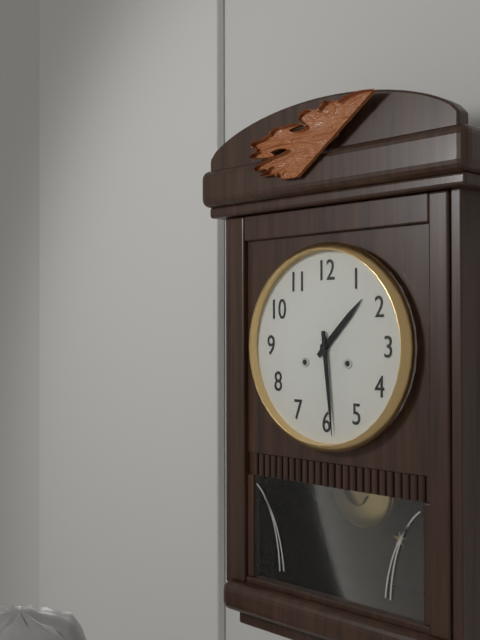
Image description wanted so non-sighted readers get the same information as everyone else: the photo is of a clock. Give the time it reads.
1:29
